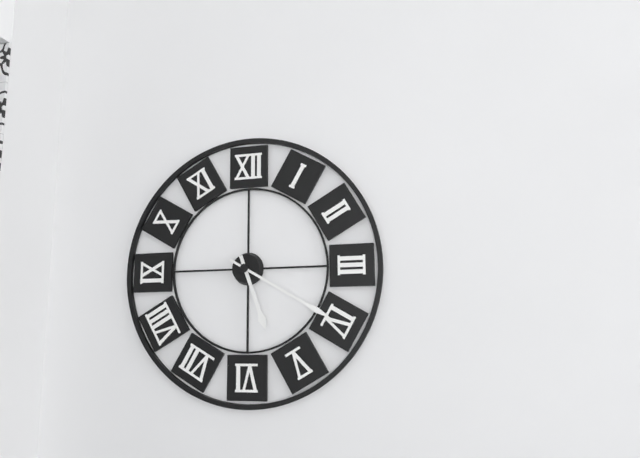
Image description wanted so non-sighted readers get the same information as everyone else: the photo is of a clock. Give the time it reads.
5:20
